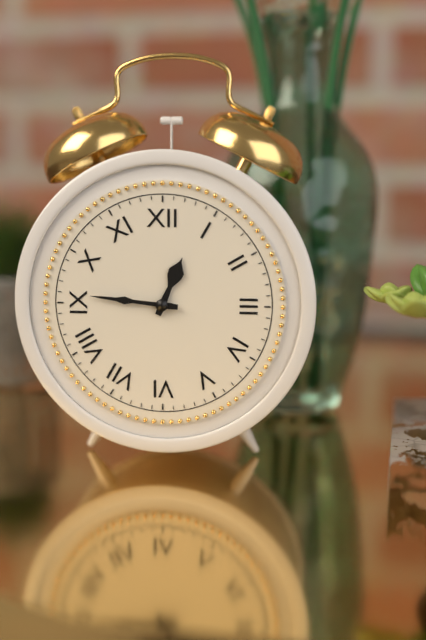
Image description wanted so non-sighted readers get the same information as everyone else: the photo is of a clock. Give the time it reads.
12:46
